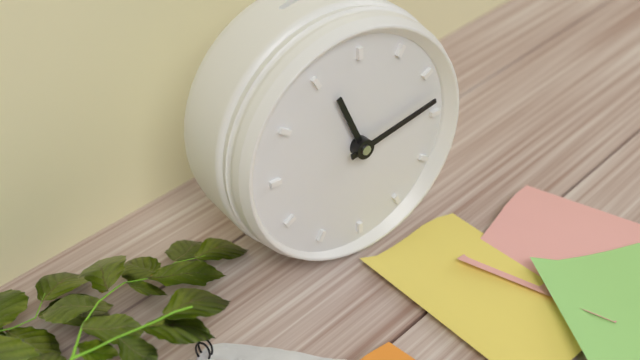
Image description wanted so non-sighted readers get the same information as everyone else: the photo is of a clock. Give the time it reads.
11:13
